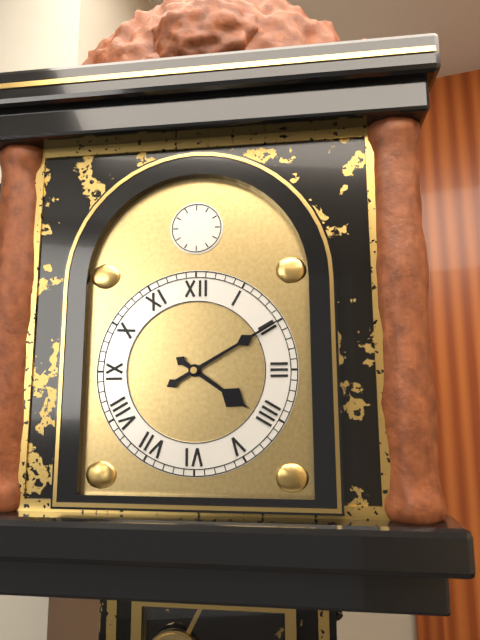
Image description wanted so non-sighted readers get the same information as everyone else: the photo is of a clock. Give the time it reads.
4:10
